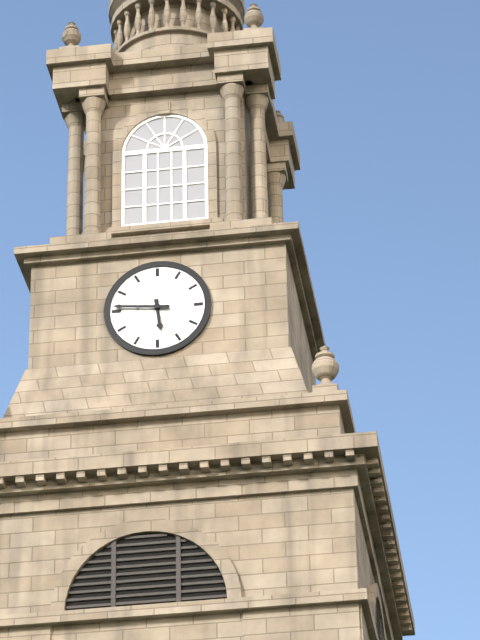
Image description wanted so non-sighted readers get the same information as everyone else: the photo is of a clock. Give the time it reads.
5:46
